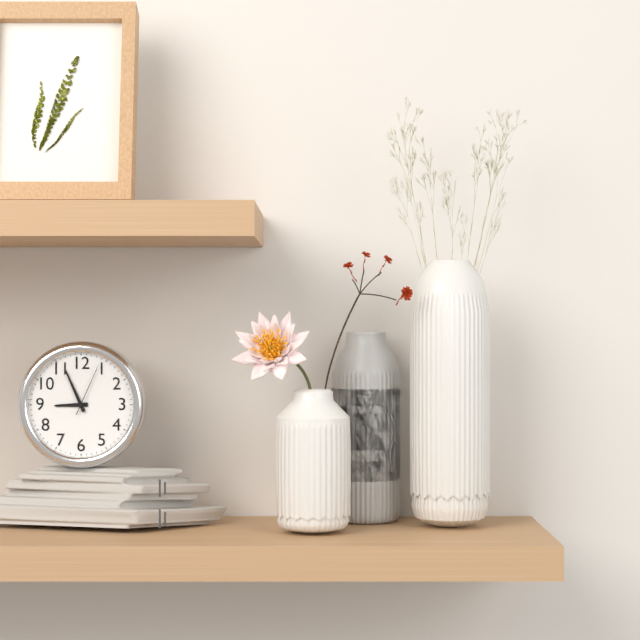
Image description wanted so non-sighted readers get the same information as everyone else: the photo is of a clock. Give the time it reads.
8:56:04
